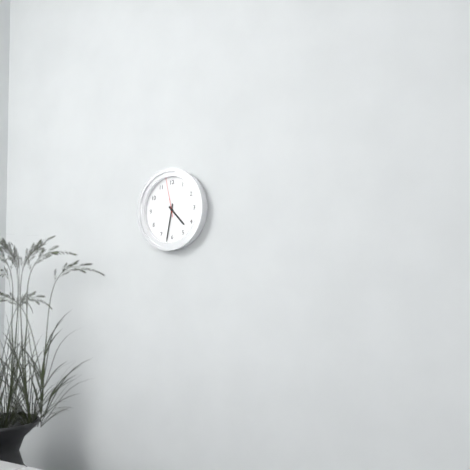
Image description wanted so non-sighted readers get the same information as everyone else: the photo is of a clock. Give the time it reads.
4:32
